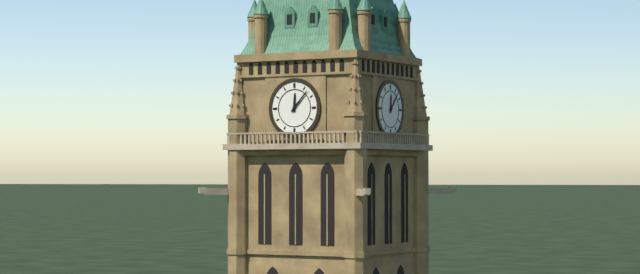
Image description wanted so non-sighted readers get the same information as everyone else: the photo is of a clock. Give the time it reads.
12:07
